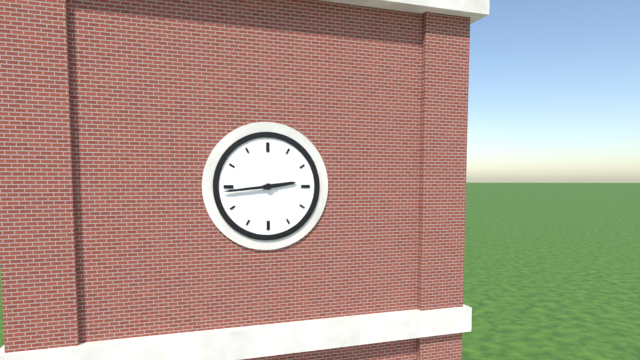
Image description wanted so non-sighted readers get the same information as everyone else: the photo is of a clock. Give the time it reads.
2:44
